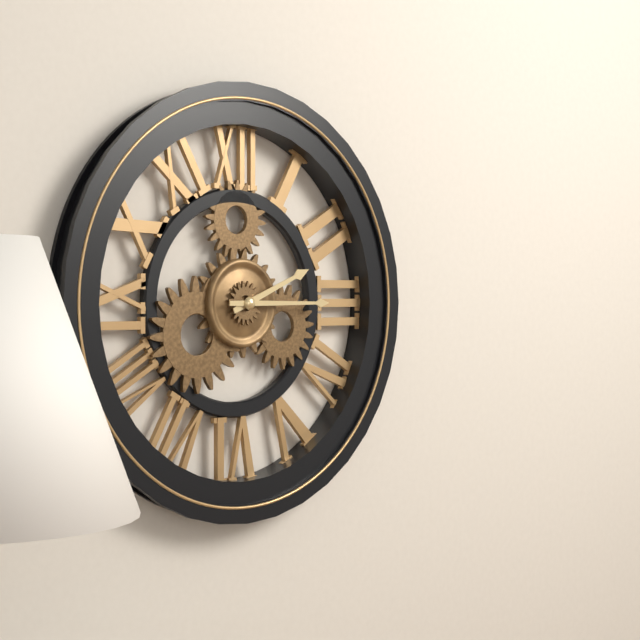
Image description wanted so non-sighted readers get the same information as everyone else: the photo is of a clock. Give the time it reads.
2:15
